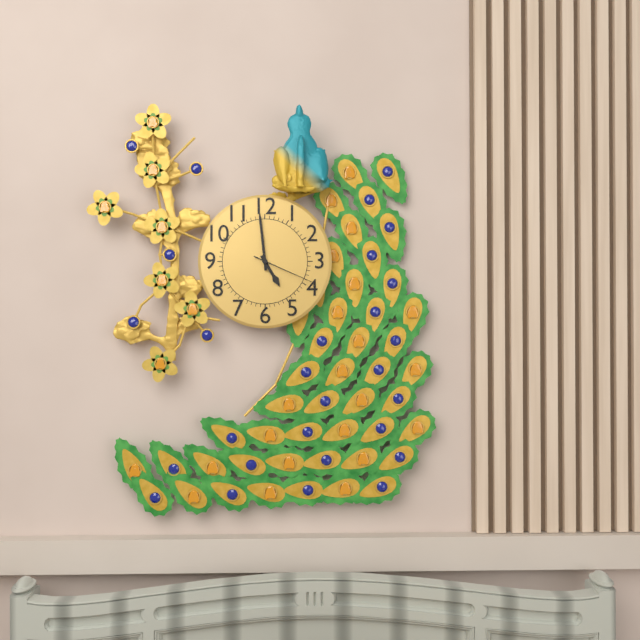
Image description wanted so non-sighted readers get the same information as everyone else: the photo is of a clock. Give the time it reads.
4:59:19
